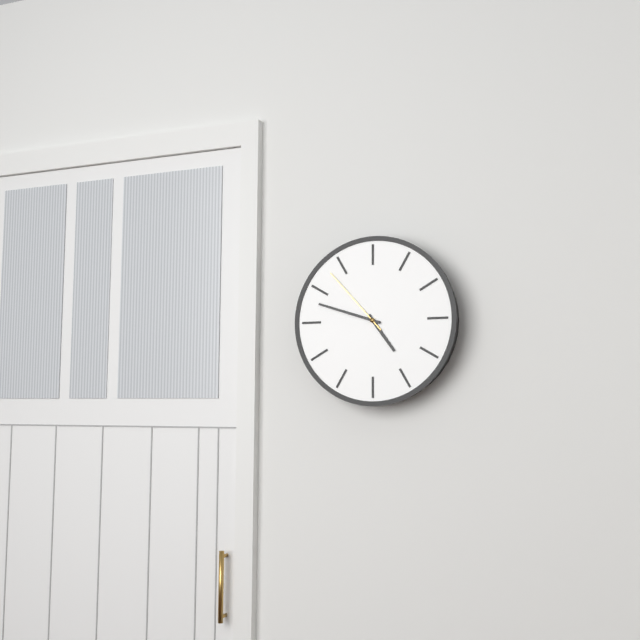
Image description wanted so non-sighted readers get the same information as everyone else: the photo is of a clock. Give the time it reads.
4:48:53
